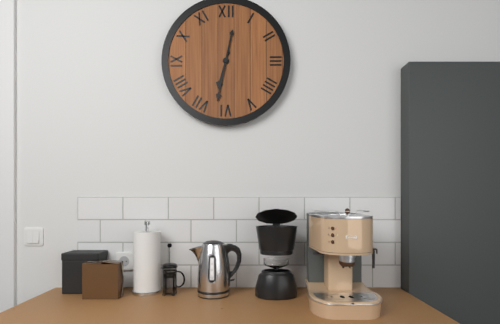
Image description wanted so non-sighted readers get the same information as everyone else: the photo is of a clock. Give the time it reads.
6:32
